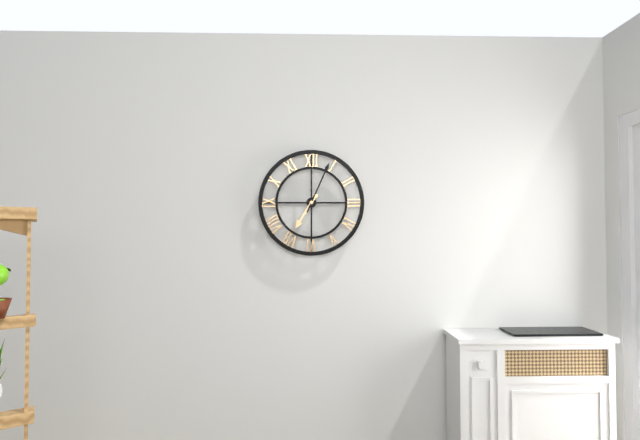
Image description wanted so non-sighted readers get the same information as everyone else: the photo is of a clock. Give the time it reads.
7:04
